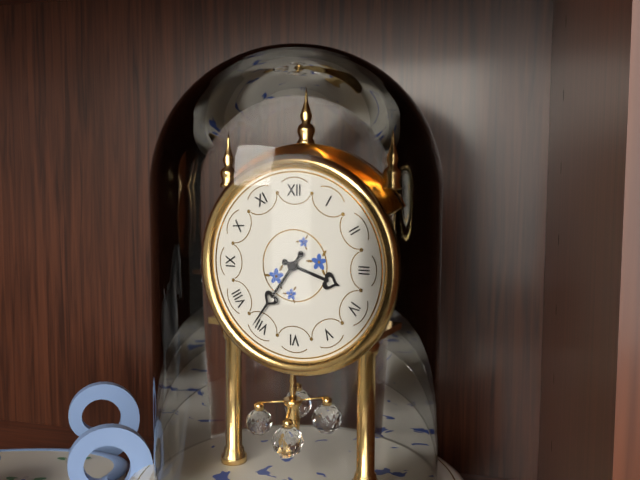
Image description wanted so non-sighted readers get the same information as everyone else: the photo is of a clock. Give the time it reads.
3:36
